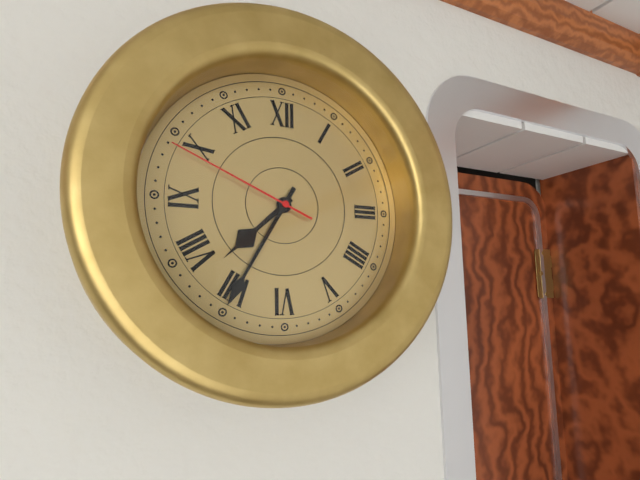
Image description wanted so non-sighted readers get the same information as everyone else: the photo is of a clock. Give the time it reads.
7:35:49
